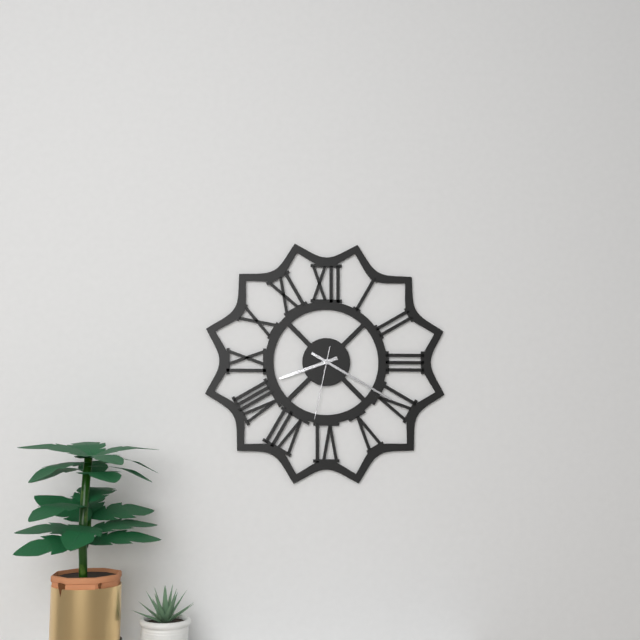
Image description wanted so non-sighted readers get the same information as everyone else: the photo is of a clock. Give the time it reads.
8:20:32
